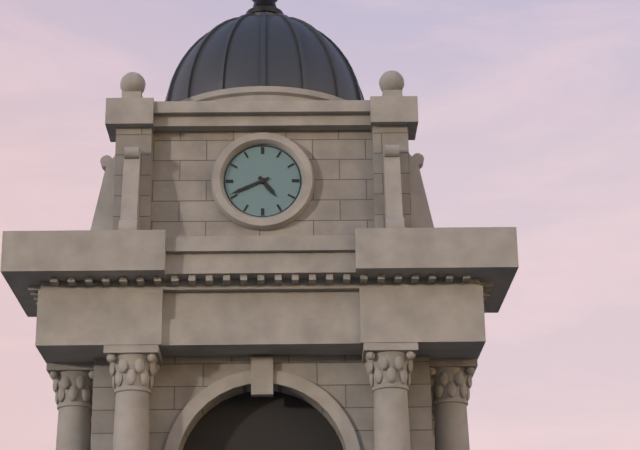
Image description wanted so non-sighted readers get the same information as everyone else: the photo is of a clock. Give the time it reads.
4:41
